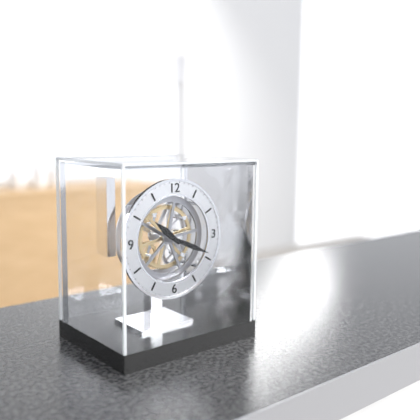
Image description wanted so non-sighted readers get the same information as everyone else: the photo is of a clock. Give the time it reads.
10:19
